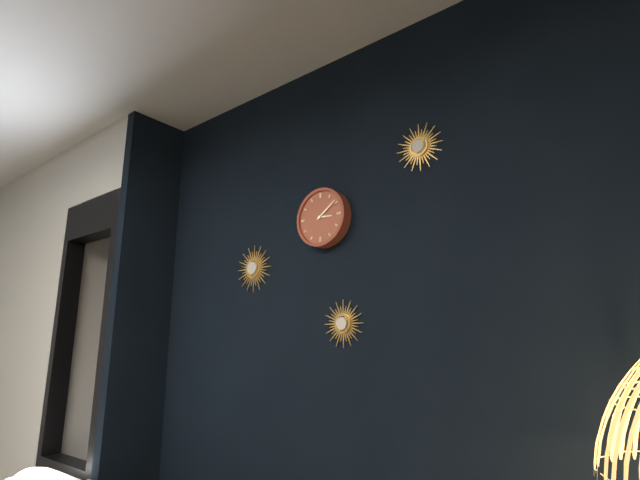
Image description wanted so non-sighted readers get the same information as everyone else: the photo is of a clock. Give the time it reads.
3:09
